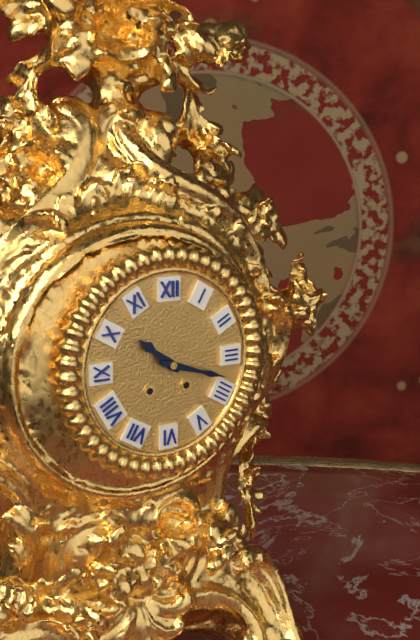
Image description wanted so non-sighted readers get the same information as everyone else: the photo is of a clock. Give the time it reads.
10:18
